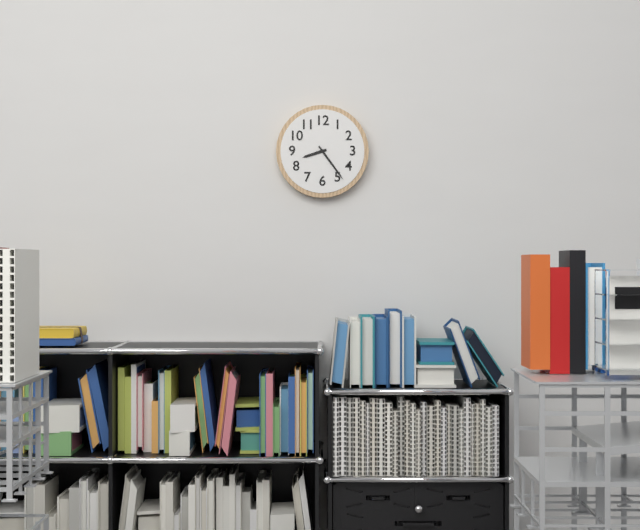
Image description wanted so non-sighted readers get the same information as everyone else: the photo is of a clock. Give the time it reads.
8:24
